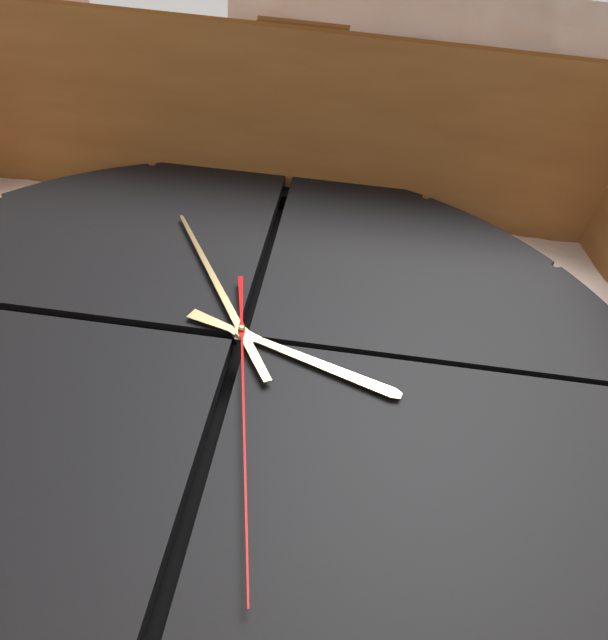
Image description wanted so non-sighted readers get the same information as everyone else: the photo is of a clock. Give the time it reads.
12:40:13
